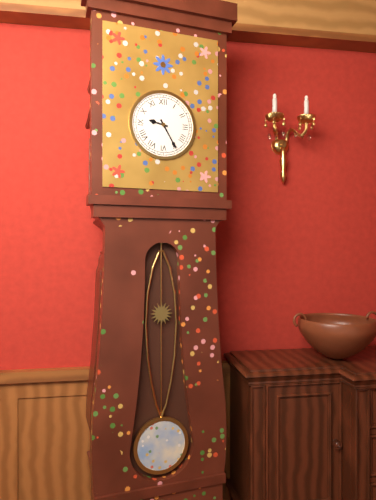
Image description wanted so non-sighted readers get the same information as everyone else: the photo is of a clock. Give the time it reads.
9:25
